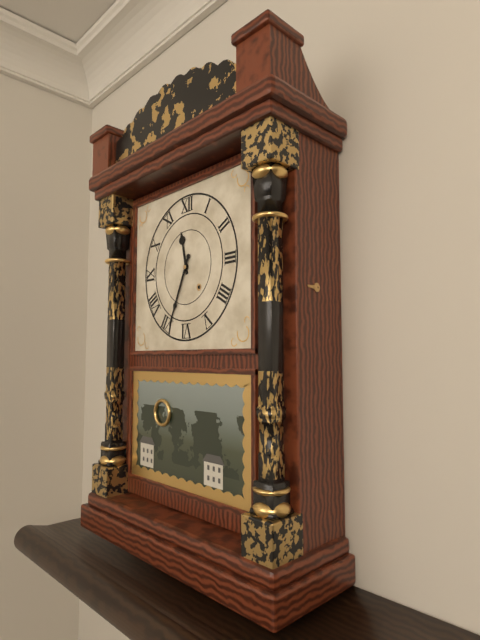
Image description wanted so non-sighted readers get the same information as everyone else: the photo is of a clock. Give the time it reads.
11:34
